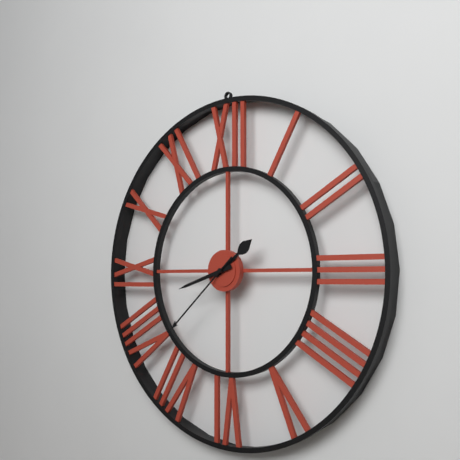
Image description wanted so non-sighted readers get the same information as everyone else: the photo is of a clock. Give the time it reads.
1:42:38
